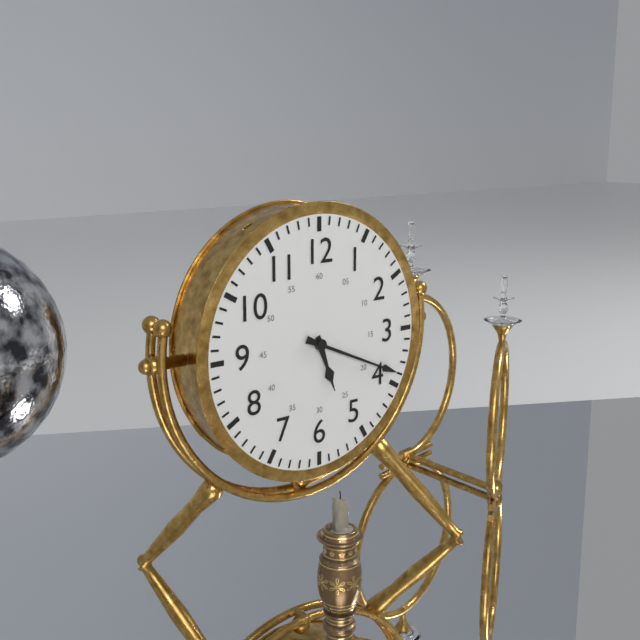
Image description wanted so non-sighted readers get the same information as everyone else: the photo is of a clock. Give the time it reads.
5:19
